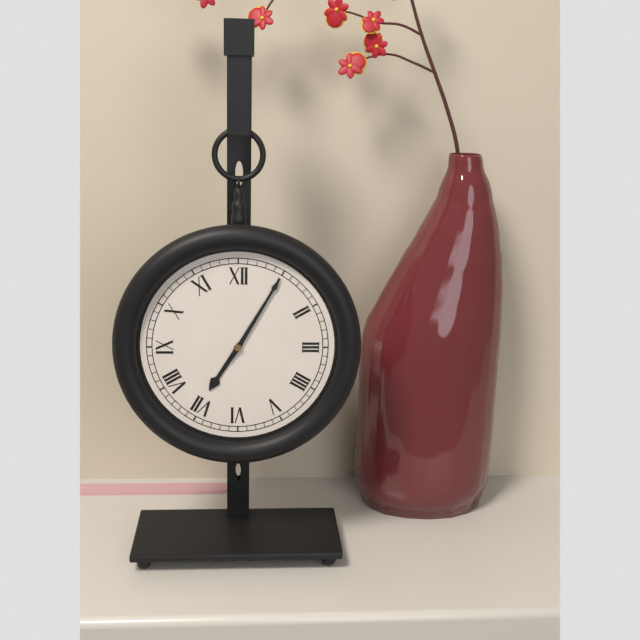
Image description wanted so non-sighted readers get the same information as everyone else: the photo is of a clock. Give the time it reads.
7:05
